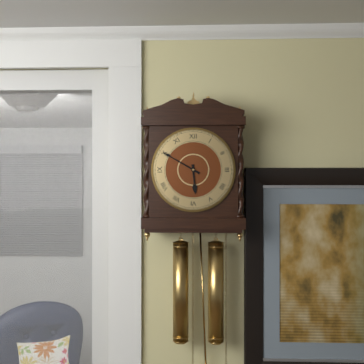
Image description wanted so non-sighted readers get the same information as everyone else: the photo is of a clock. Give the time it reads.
5:50
